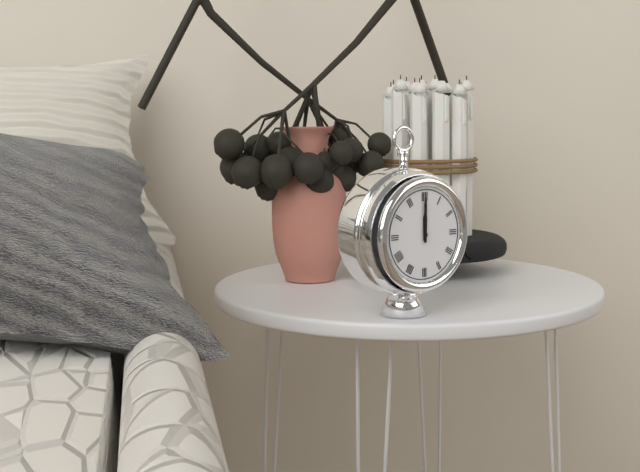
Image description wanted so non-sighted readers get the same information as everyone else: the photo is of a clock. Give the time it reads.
12:00
